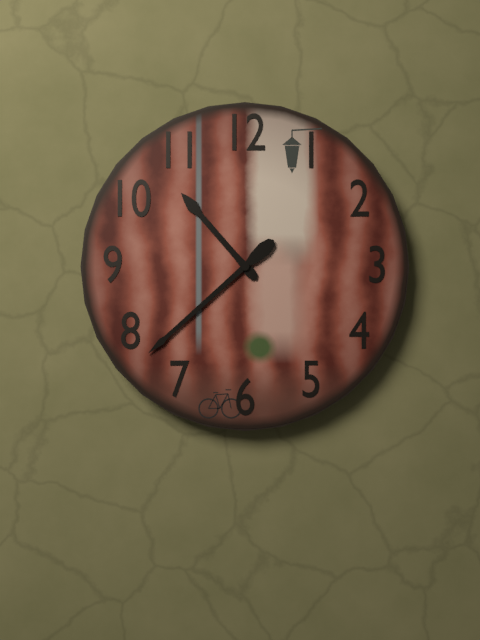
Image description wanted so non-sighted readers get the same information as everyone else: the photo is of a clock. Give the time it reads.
10:38
